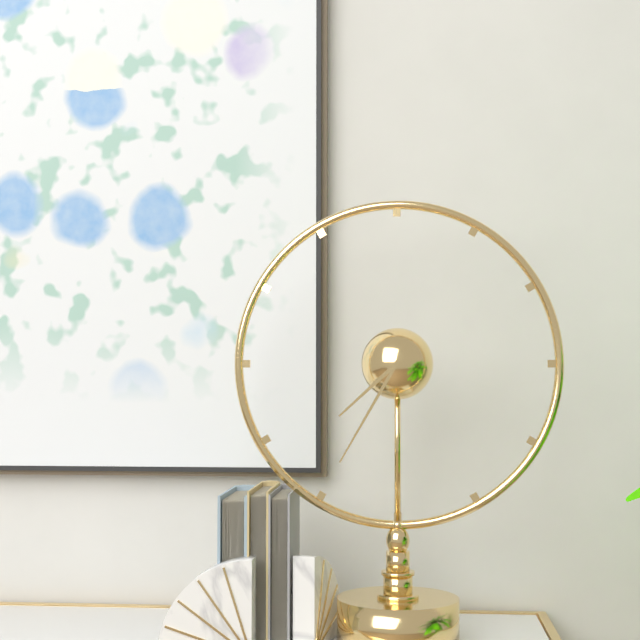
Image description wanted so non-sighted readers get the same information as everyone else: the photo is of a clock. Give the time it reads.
7:35
